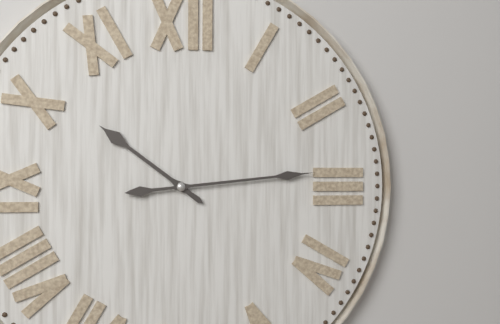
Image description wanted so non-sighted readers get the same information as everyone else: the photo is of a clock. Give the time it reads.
10:14
